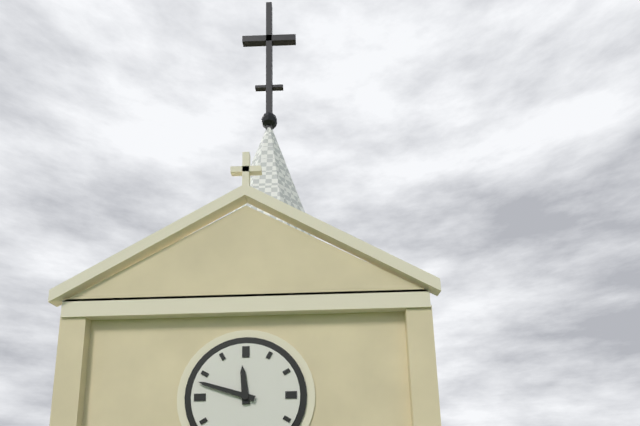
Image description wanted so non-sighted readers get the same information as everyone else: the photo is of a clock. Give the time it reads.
11:48
